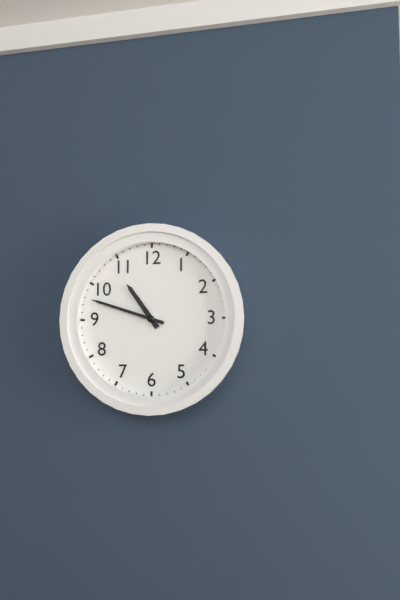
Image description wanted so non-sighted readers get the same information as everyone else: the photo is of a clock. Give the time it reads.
10:48
